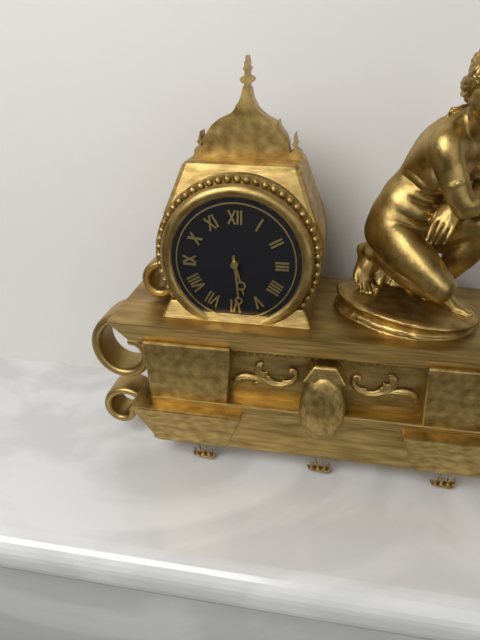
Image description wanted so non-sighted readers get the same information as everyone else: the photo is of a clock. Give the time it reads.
5:29
